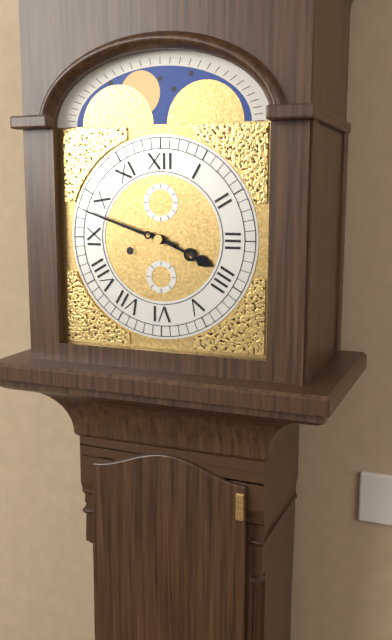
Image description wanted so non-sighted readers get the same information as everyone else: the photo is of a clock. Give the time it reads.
3:48
